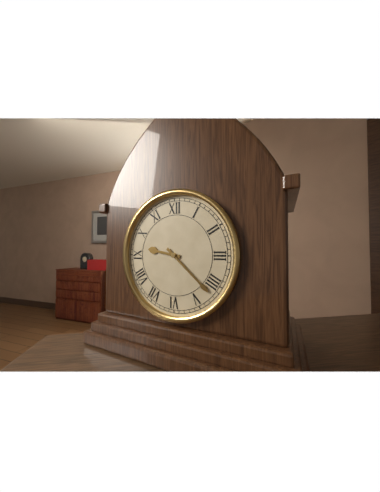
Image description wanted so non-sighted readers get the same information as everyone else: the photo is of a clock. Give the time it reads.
9:22
